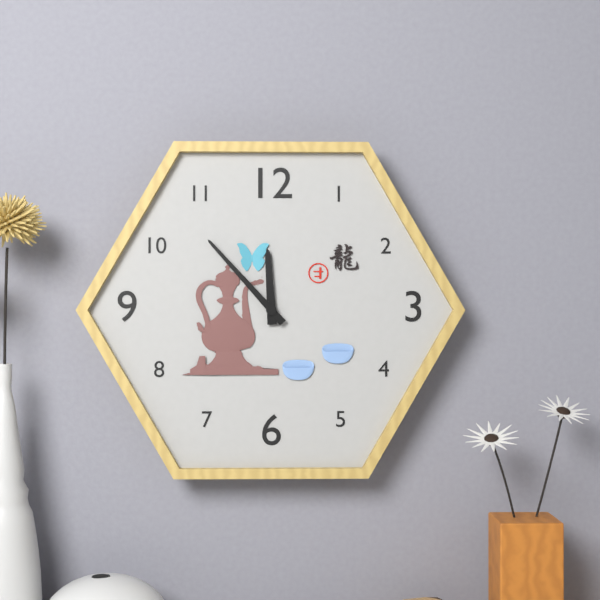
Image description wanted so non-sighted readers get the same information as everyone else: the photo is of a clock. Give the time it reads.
11:53
